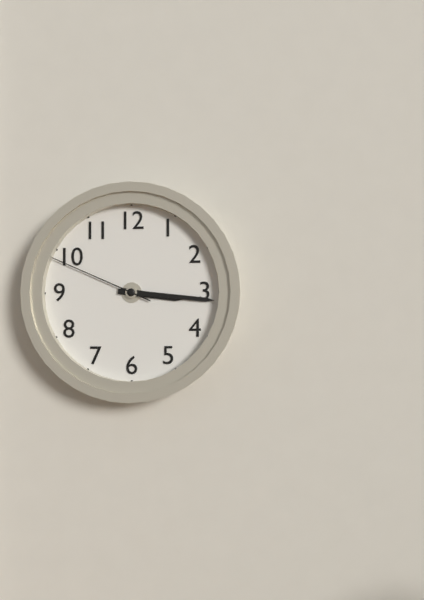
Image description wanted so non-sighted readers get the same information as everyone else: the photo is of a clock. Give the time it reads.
3:16:49
